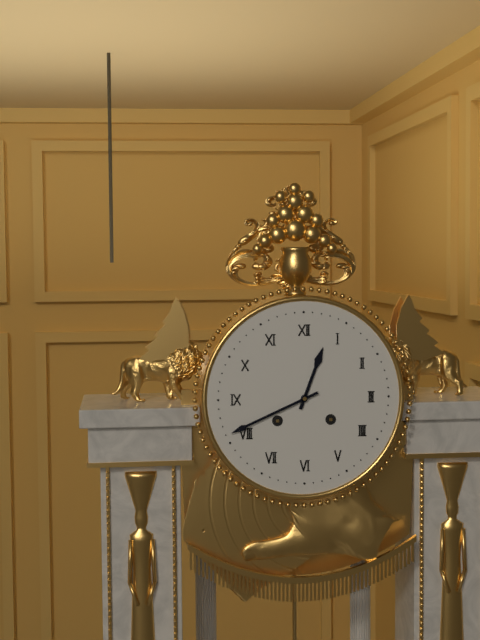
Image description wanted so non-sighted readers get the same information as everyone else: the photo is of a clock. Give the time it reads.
12:41
